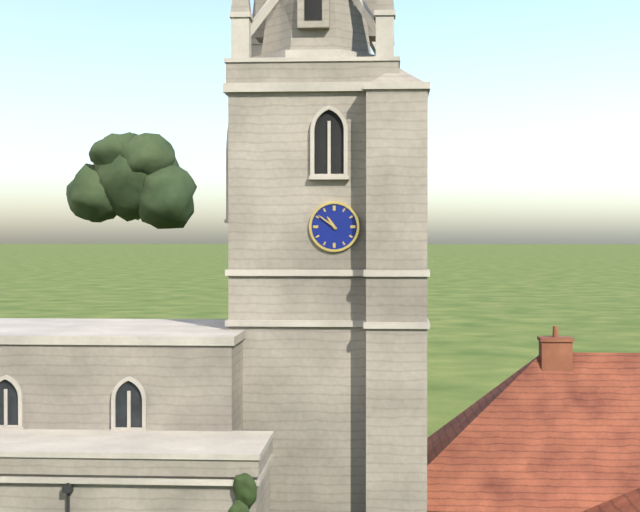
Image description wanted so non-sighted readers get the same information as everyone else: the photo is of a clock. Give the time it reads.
10:51
